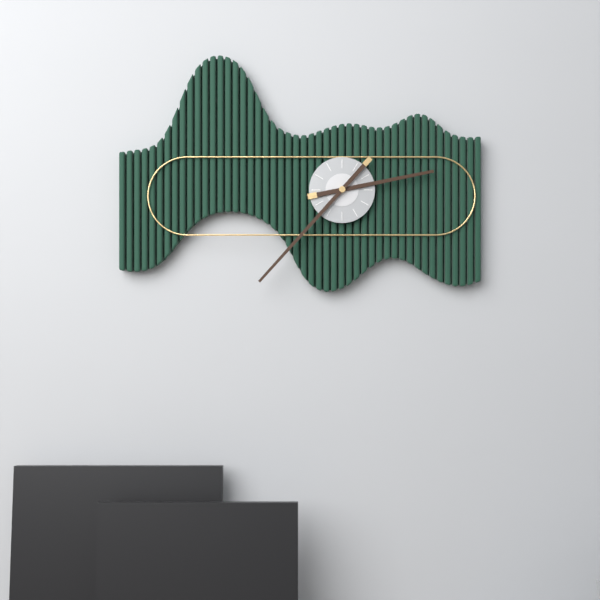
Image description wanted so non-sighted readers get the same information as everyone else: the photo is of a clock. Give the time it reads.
2:37
